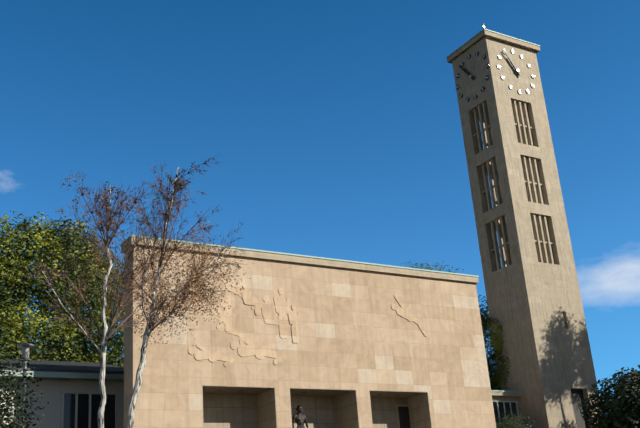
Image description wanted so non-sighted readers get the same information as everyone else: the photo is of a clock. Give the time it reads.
10:54
